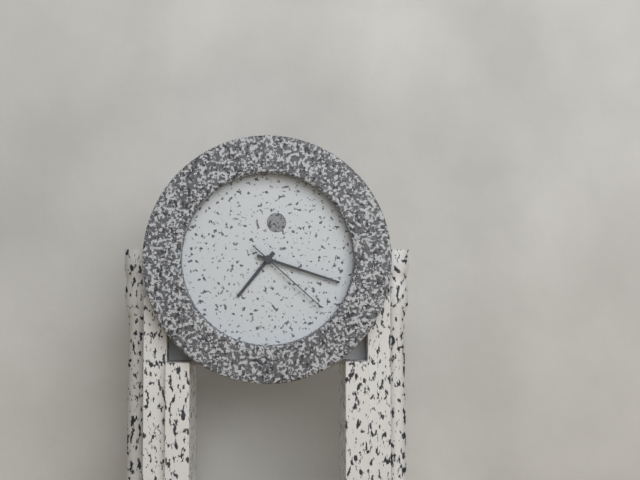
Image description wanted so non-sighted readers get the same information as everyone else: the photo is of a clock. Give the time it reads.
7:18:22
